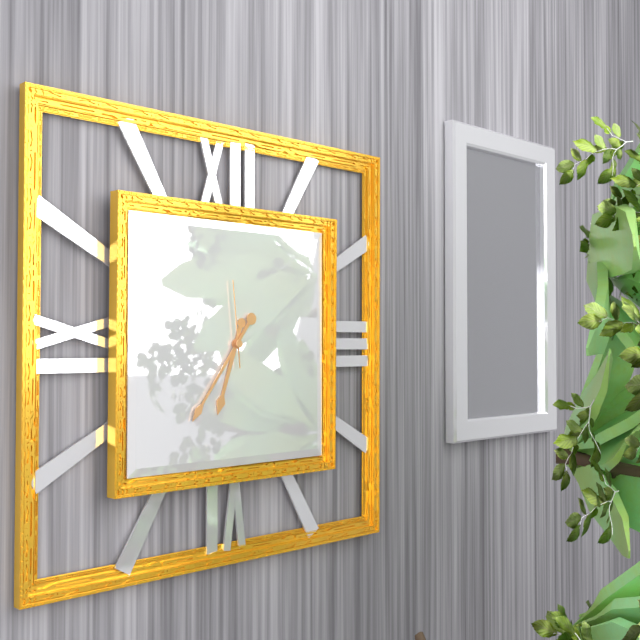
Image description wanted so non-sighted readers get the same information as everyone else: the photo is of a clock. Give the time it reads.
6:36:59
